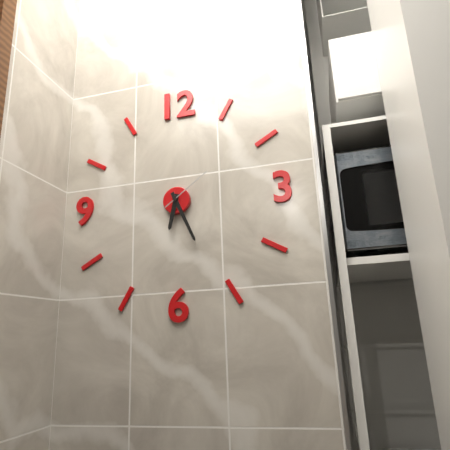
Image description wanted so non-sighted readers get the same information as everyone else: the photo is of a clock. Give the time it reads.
6:26:09
